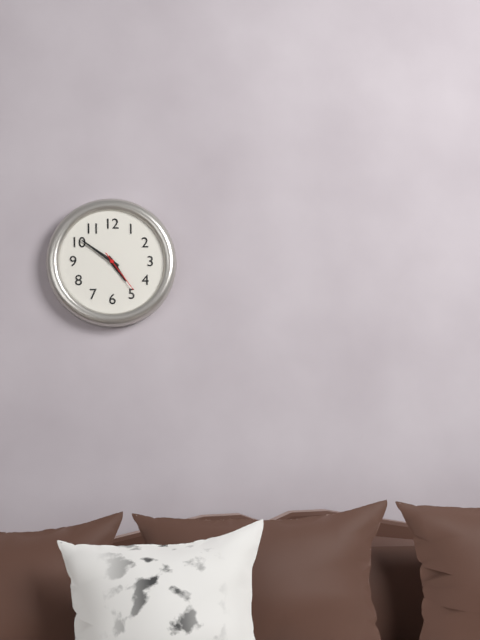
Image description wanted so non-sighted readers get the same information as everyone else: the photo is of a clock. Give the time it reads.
4:51
